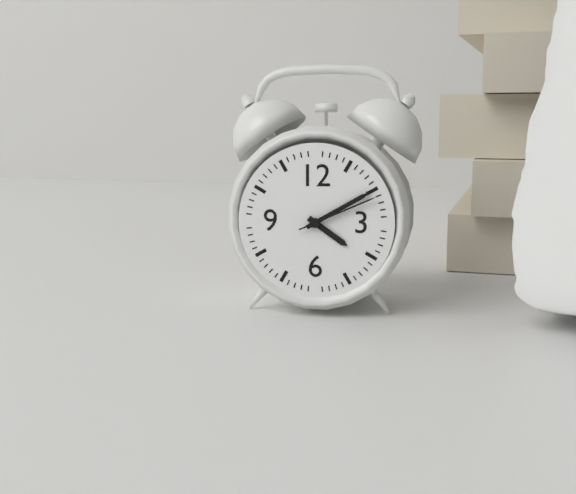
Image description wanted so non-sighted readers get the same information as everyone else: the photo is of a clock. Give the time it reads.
4:10:11
